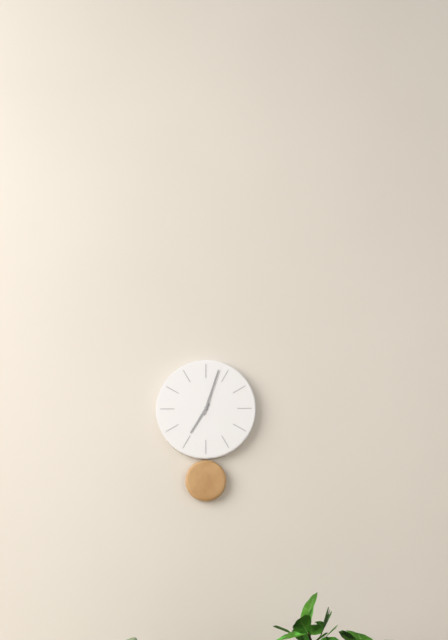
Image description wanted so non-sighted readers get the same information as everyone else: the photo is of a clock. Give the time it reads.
7:03
